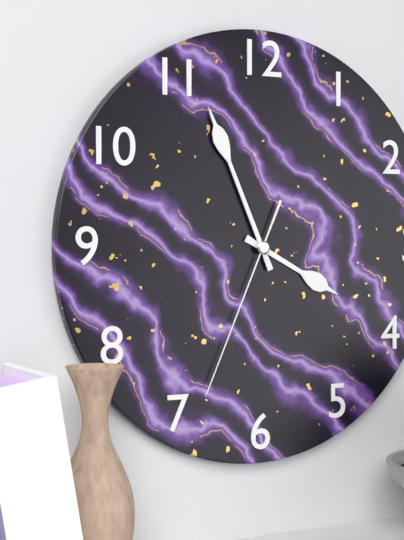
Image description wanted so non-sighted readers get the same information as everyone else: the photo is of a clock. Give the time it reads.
3:56:34
